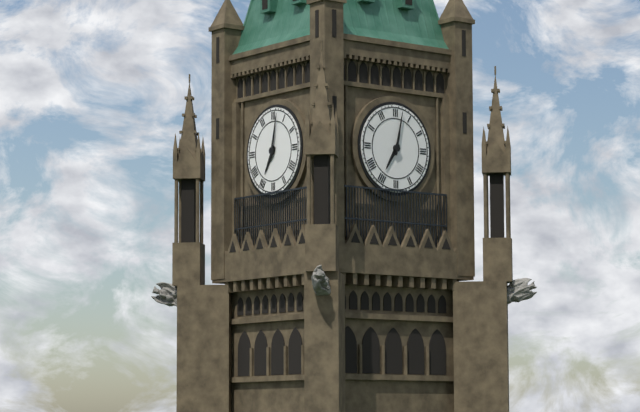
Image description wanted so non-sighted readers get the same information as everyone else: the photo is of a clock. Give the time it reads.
7:02
